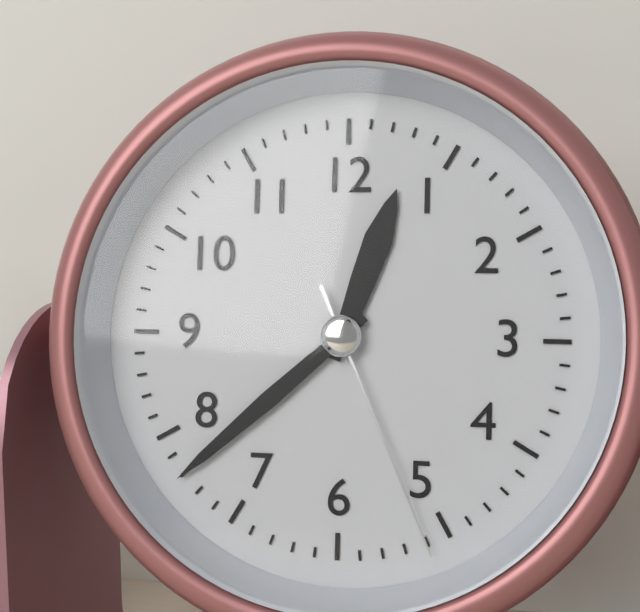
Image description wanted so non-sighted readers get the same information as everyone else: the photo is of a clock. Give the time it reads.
12:38:26
